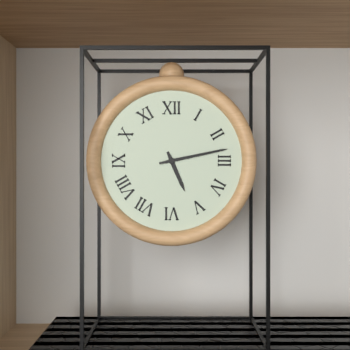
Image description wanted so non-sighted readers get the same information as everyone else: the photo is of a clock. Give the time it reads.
5:13
